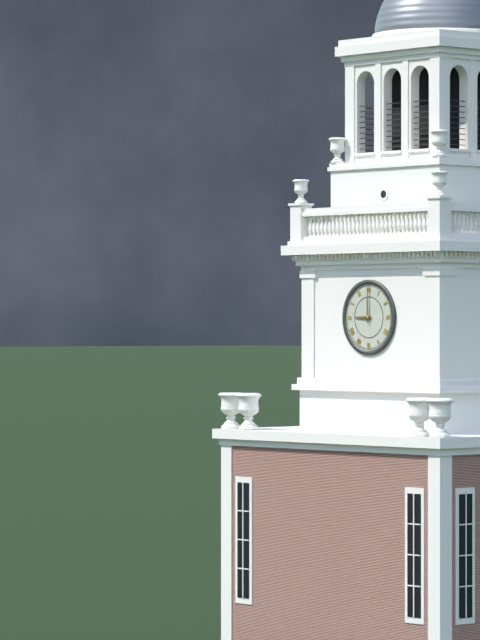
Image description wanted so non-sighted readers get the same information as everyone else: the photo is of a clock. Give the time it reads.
9:00
